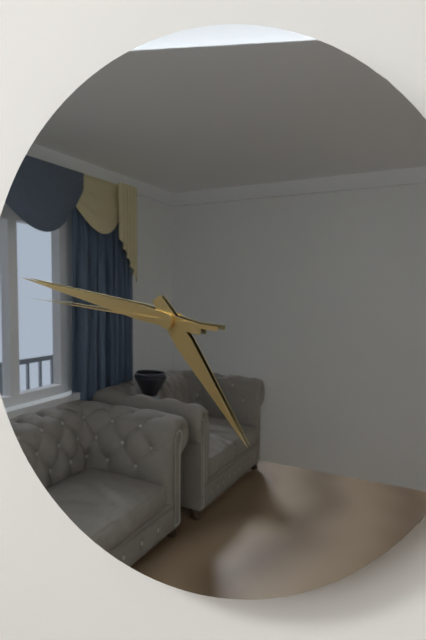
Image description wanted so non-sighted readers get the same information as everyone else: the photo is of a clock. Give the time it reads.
4:47:46
